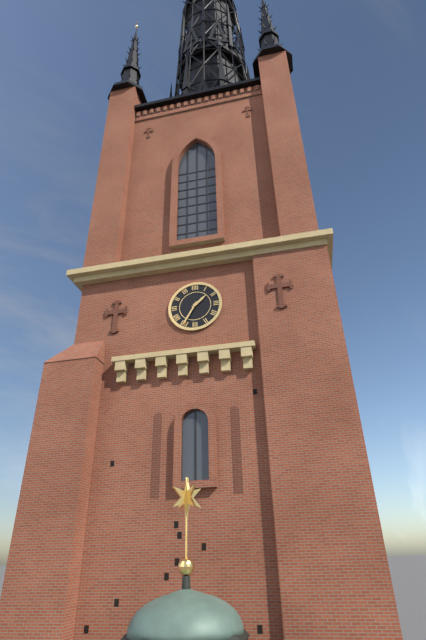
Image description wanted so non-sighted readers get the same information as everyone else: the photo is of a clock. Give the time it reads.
1:35
